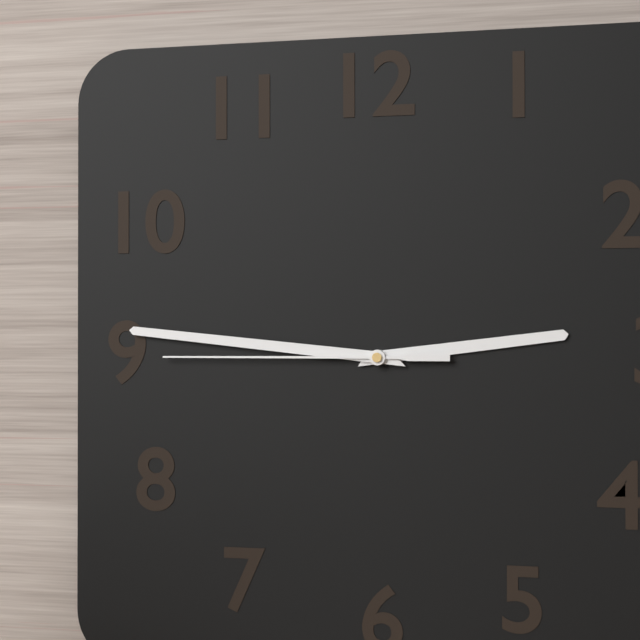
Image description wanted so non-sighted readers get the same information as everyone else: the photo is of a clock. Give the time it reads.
2:46:45
